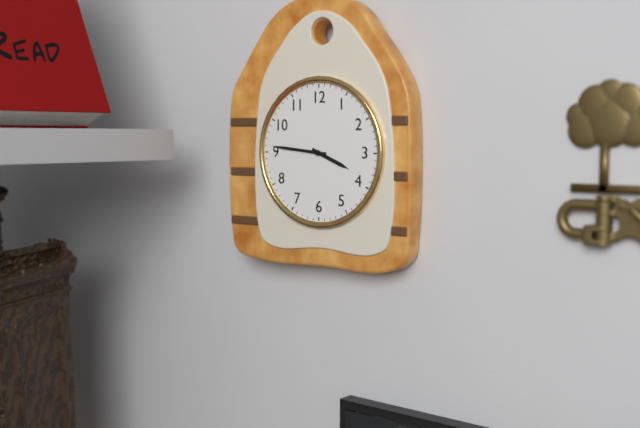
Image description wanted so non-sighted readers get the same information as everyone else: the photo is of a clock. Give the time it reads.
3:46
